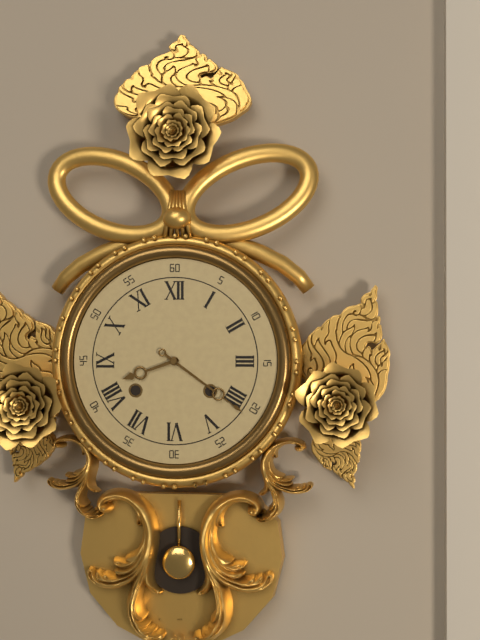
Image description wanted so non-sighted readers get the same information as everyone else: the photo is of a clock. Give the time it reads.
8:21
